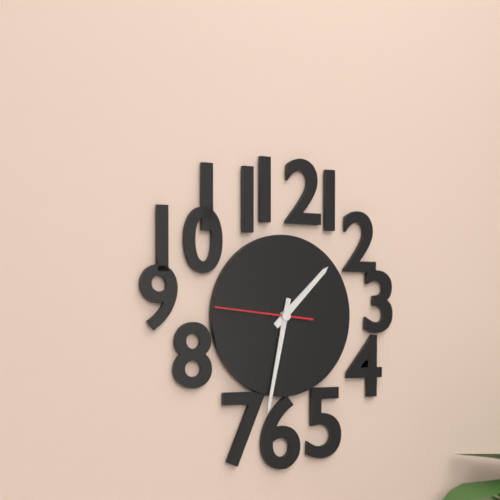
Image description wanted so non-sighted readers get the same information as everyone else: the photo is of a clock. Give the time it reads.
1:32:46
